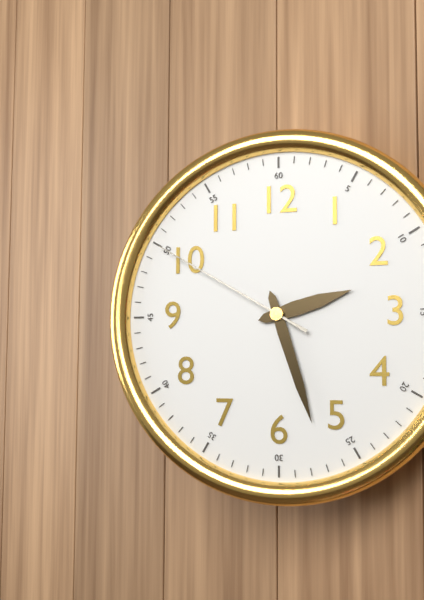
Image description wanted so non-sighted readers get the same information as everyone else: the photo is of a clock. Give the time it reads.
2:27:50
